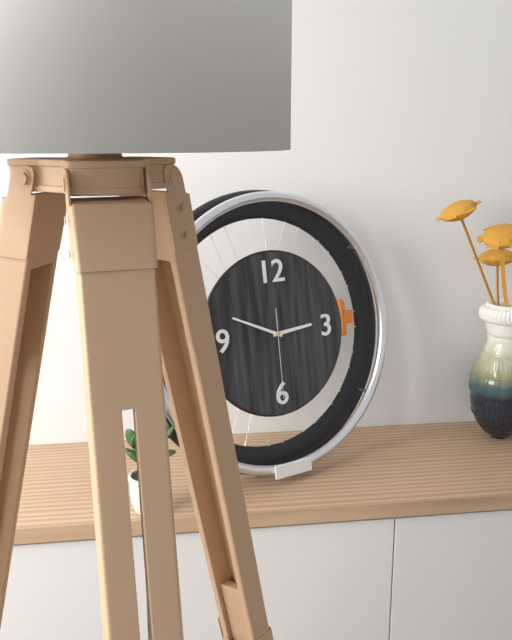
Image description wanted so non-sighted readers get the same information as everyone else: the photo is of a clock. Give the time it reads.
2:49:30
